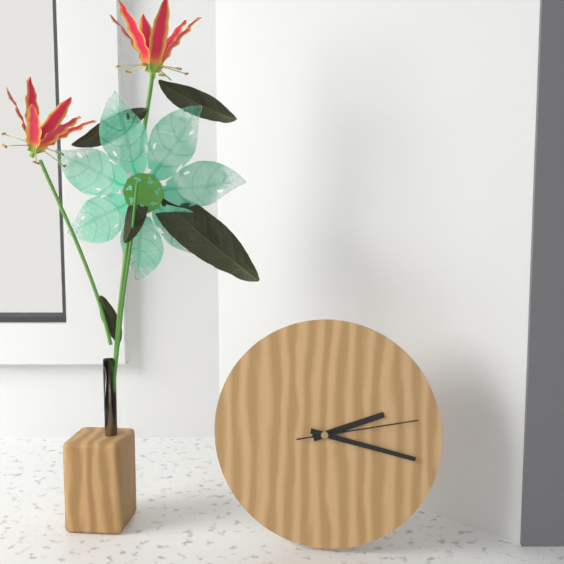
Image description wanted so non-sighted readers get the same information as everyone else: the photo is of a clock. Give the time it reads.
2:17:13
